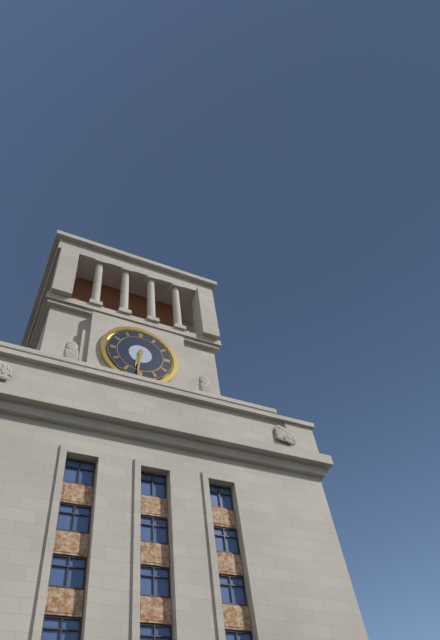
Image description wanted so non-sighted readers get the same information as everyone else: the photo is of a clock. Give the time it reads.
6:31
